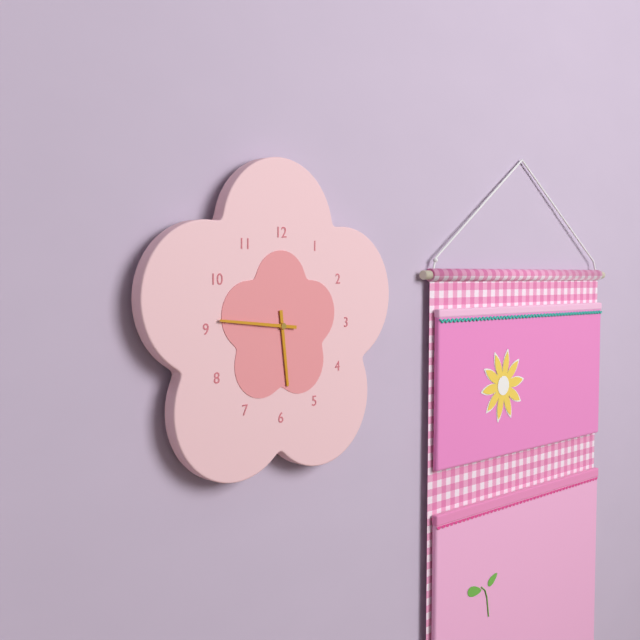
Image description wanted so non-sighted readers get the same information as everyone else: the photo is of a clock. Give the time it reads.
5:46
